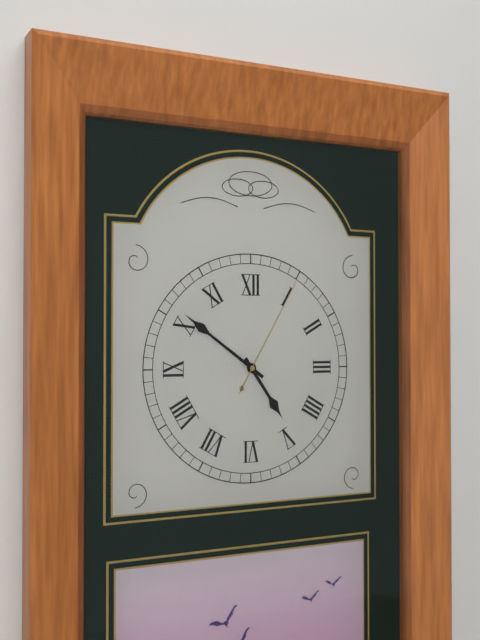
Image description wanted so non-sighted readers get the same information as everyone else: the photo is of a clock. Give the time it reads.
4:51:05
